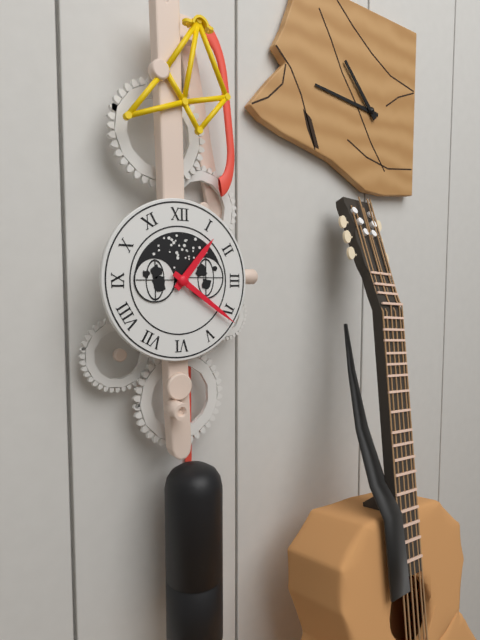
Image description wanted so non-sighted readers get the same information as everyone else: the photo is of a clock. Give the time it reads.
1:21
